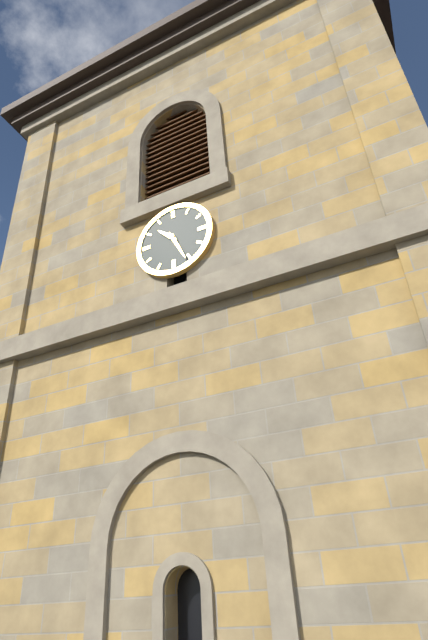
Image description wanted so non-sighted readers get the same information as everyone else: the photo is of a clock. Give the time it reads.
10:26
